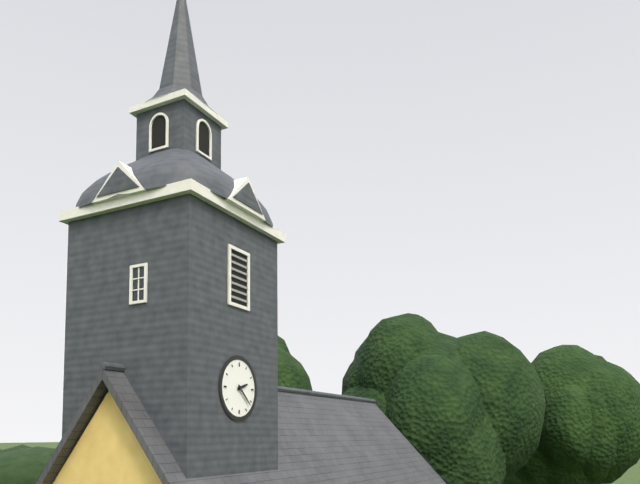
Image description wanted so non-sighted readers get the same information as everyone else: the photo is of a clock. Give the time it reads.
2:22
